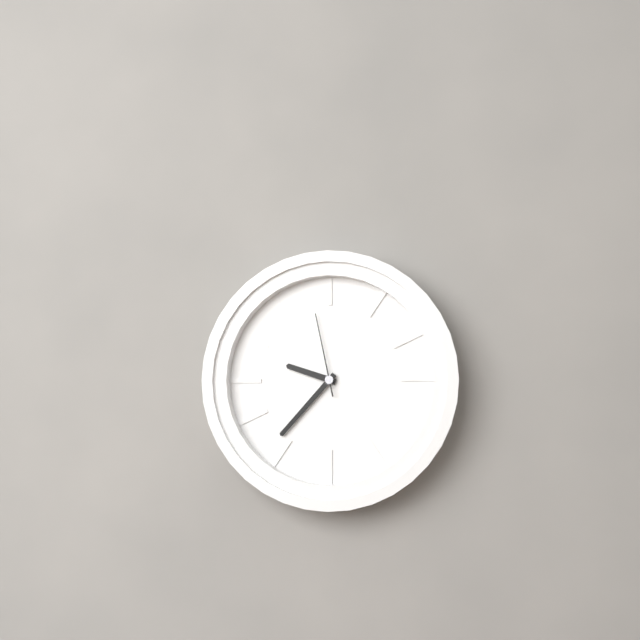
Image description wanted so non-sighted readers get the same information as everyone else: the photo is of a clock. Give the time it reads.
9:37:58
